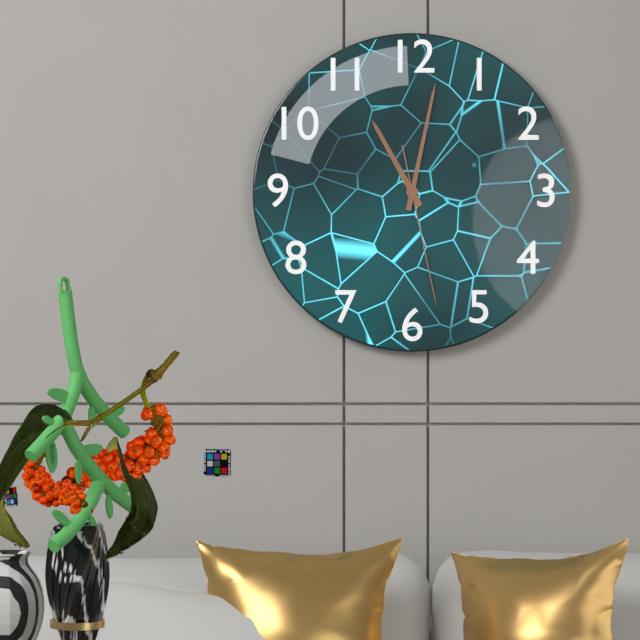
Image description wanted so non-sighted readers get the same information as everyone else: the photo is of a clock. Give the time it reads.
11:02:28
